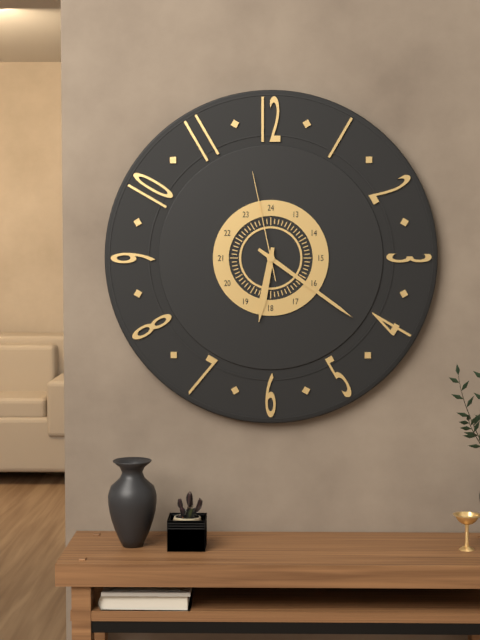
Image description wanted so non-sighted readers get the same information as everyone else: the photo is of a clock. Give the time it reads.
6:21:58
